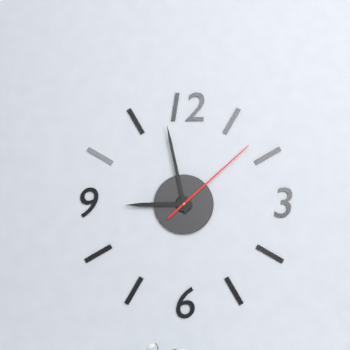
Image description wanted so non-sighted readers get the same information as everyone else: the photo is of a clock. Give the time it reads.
8:58:08
